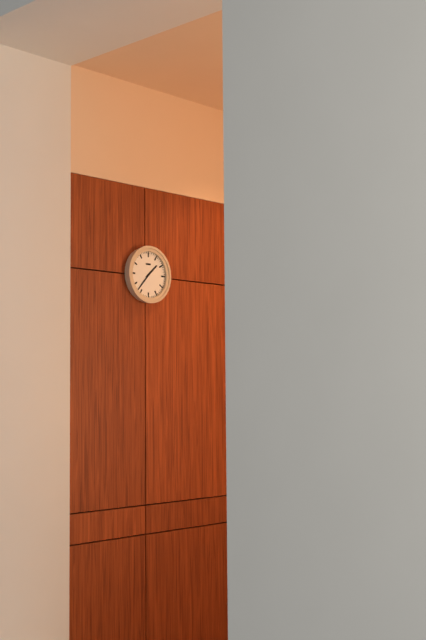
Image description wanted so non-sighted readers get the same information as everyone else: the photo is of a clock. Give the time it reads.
1:37
